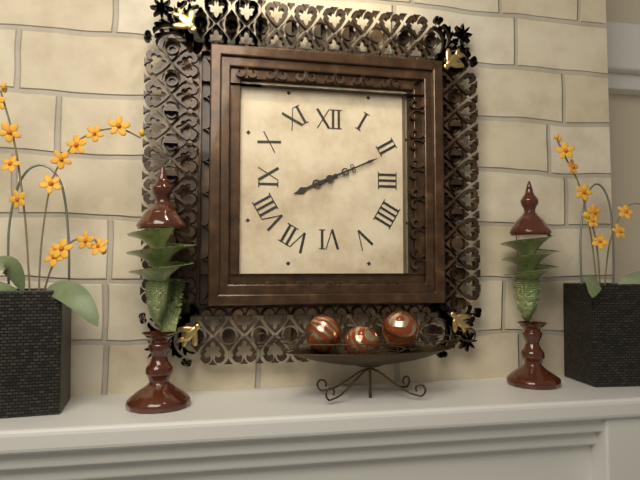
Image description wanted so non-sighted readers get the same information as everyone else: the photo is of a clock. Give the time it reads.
8:11
